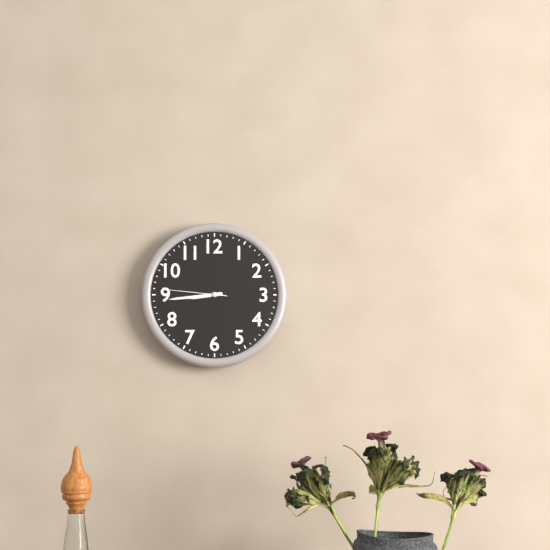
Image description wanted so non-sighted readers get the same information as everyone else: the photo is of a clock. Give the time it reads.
8:44:46
